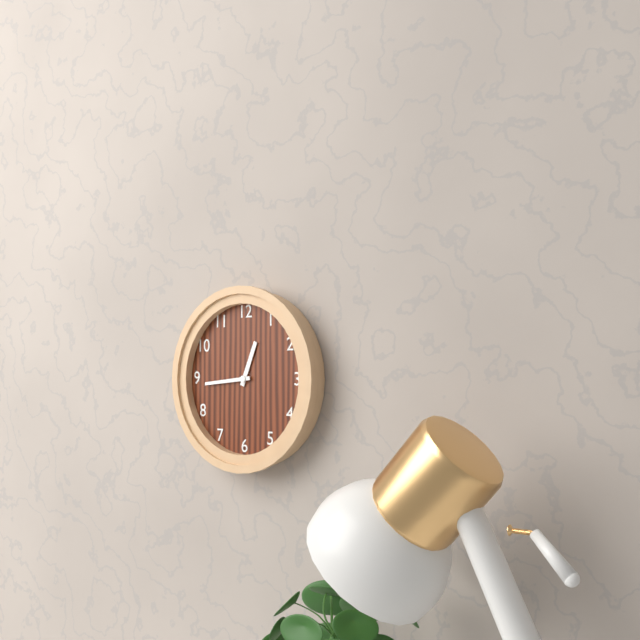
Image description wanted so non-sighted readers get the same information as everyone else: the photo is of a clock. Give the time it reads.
12:44
